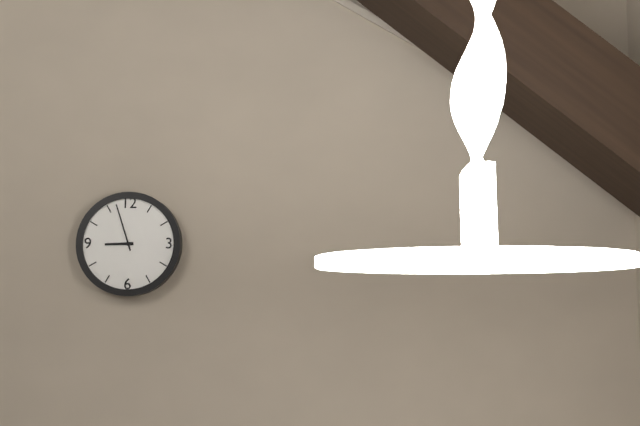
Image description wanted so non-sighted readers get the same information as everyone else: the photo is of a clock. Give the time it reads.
8:57
